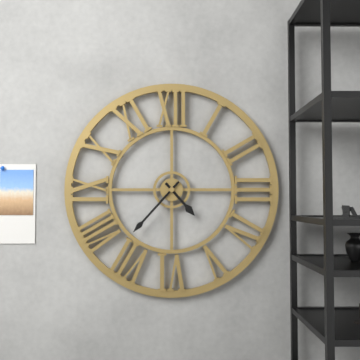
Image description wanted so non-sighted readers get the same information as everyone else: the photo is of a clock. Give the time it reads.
4:37
